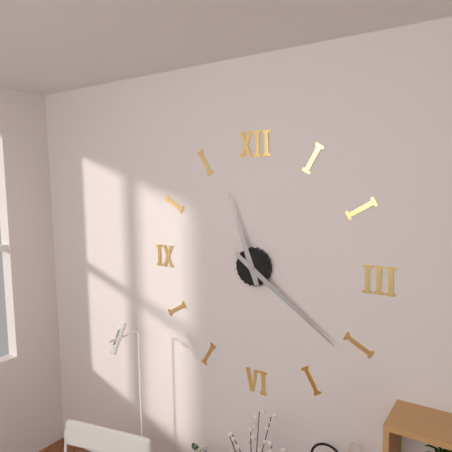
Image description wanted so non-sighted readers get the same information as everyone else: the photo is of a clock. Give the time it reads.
11:21
